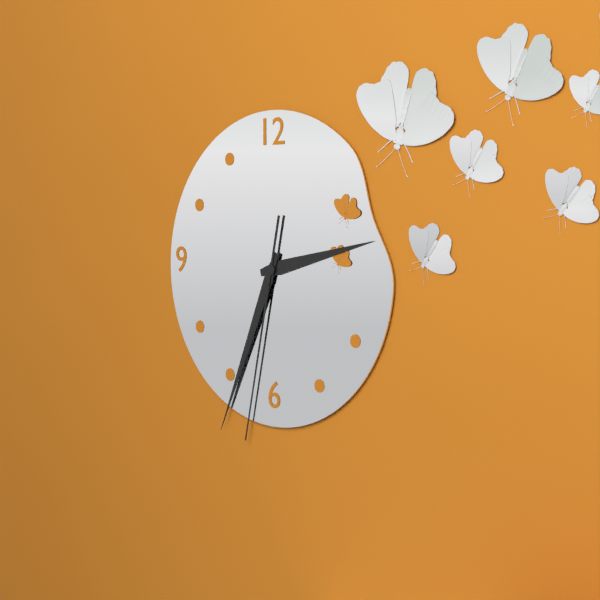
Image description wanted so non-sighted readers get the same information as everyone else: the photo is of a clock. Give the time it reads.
2:34:32
